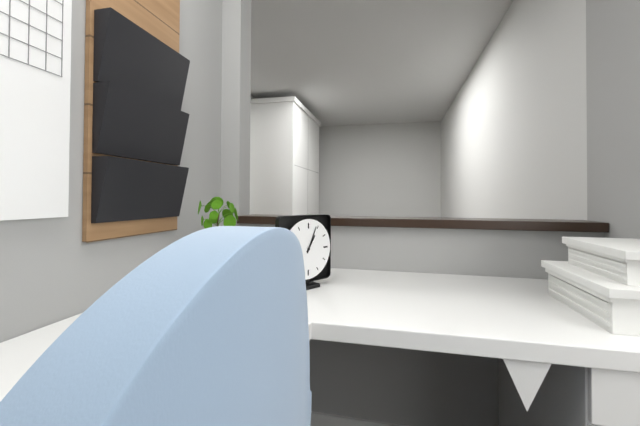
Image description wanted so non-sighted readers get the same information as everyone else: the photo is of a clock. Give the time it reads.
1:04
